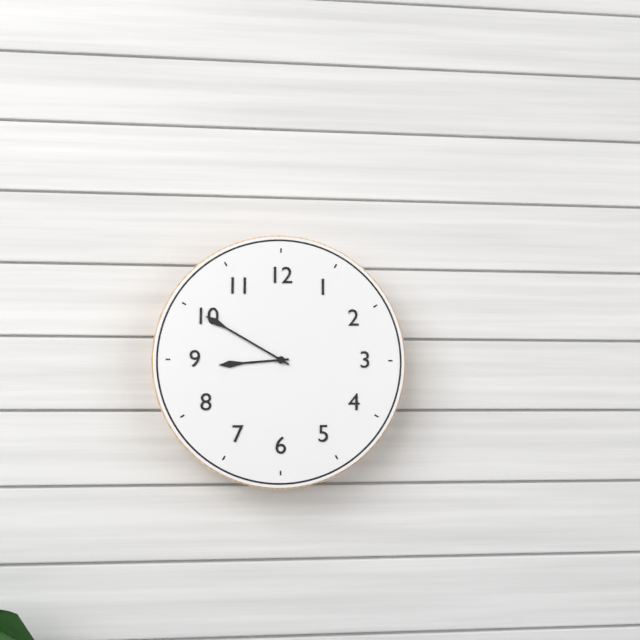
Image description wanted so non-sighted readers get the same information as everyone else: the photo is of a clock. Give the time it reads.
8:50
